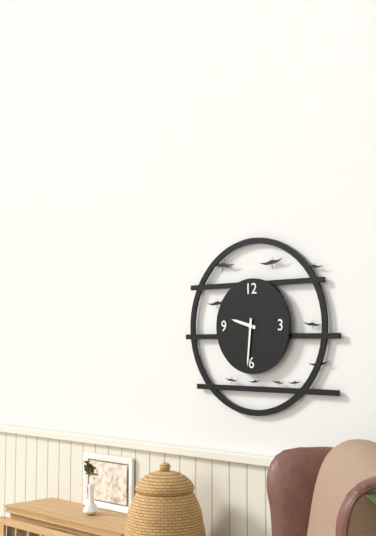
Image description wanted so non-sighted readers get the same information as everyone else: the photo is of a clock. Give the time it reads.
9:31
